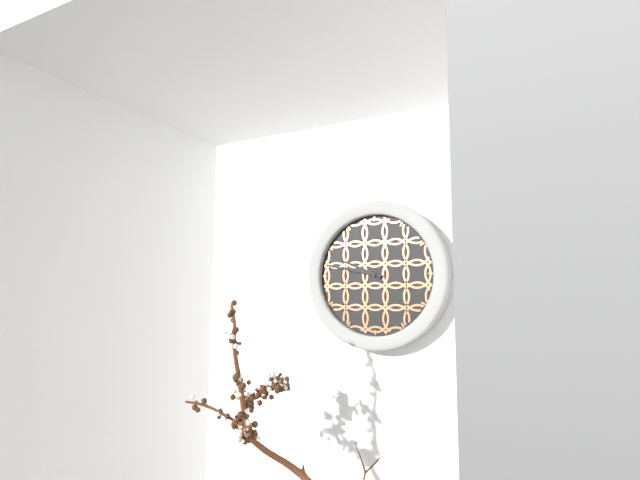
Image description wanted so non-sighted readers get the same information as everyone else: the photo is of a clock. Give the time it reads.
9:47
